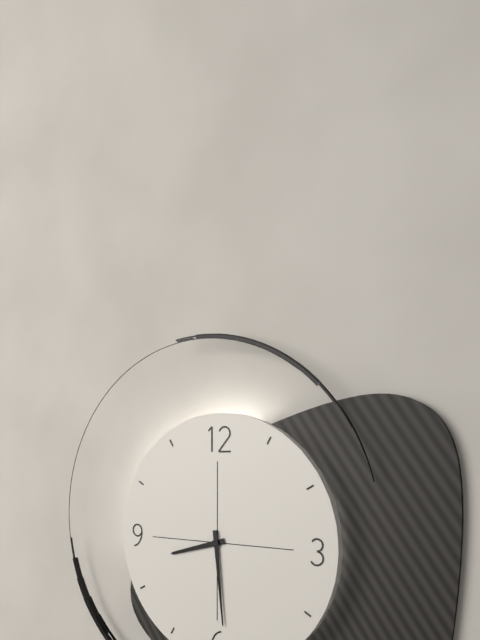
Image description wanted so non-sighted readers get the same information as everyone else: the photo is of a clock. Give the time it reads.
8:29
